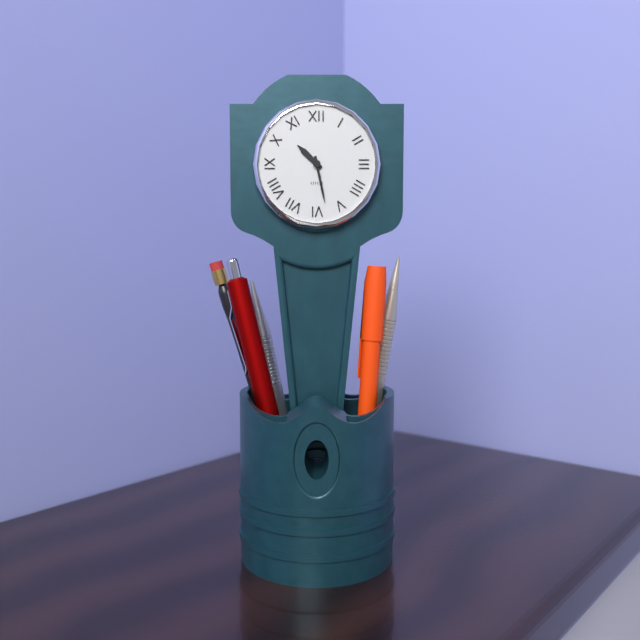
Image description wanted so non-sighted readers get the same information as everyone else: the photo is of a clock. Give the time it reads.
10:28
